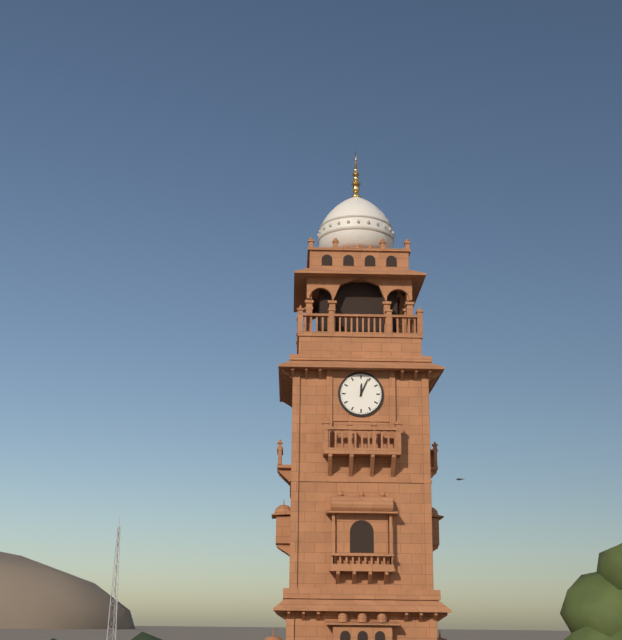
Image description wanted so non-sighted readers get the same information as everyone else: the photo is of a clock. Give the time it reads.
12:04
